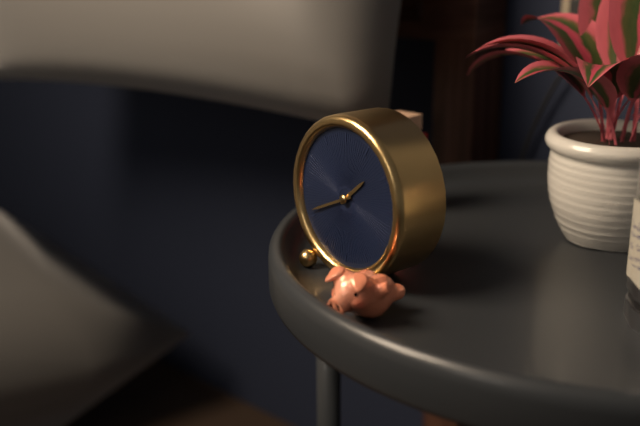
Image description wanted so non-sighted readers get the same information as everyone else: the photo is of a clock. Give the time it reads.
1:41
